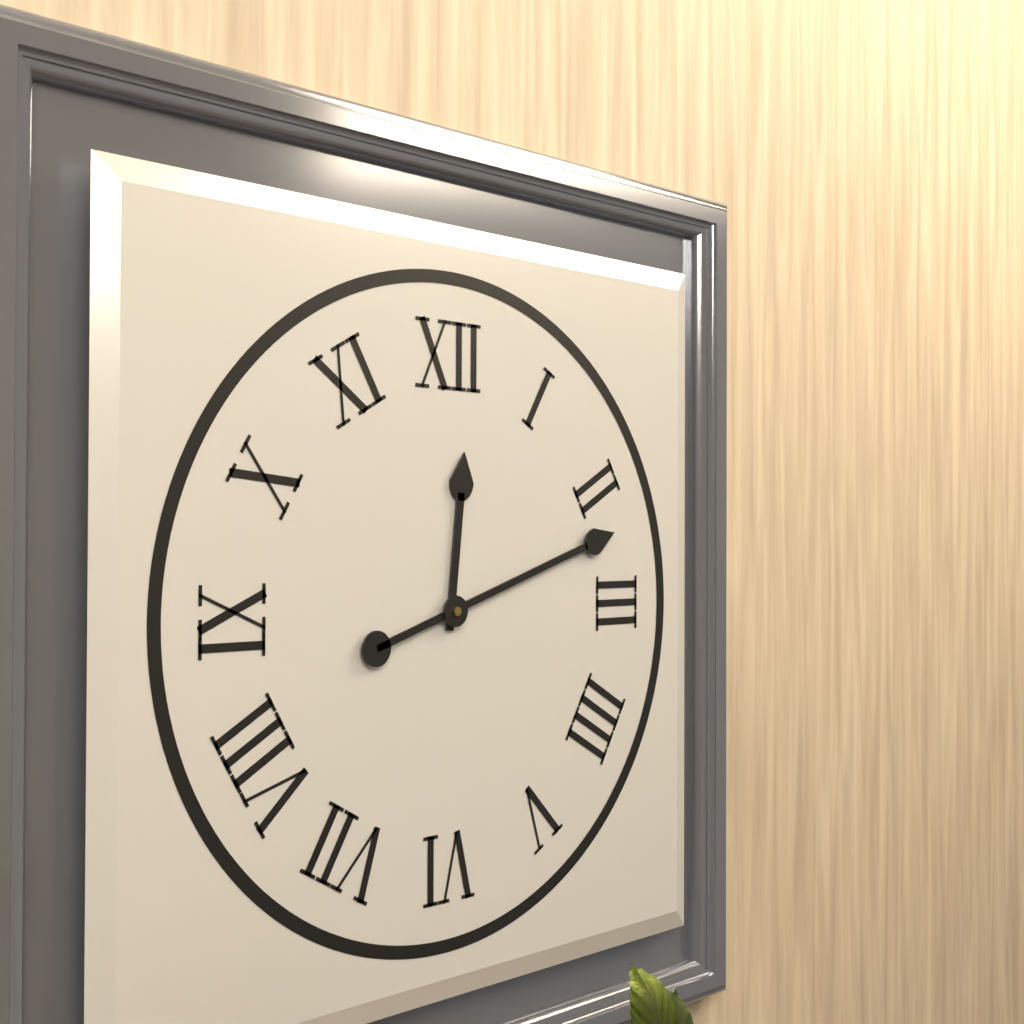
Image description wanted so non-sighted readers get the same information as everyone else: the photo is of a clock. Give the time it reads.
12:12
